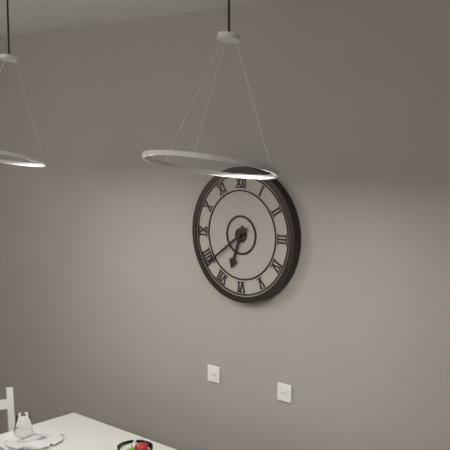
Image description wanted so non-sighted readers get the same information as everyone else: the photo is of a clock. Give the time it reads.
6:39
